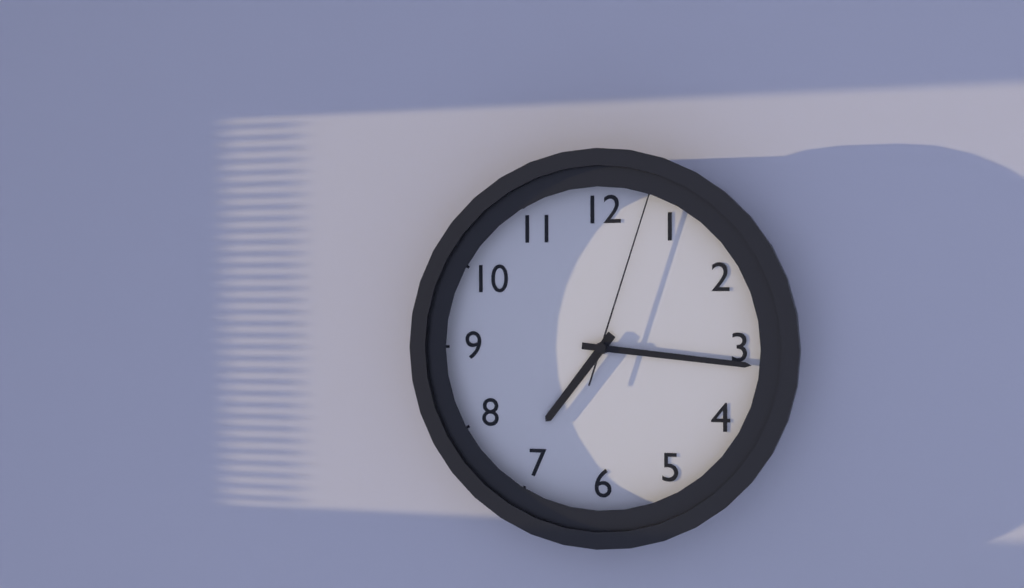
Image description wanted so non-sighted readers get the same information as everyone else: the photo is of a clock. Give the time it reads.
7:16:03
